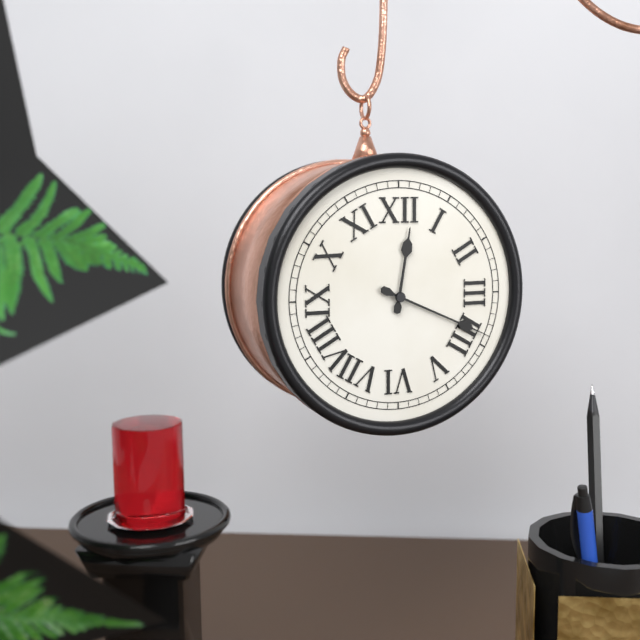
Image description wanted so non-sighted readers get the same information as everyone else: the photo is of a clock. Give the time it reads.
12:19
